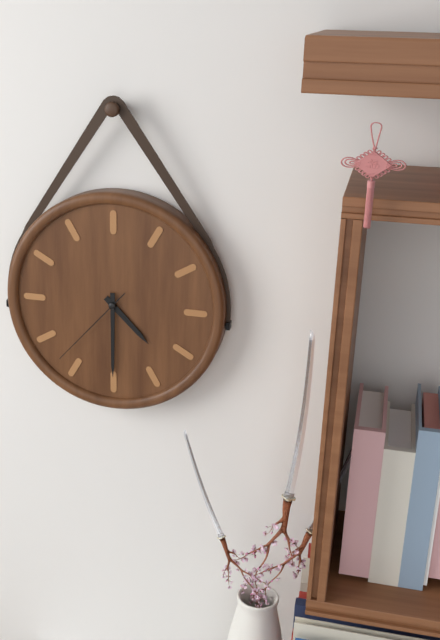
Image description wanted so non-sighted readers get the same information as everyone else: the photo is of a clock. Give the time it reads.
4:30:37
